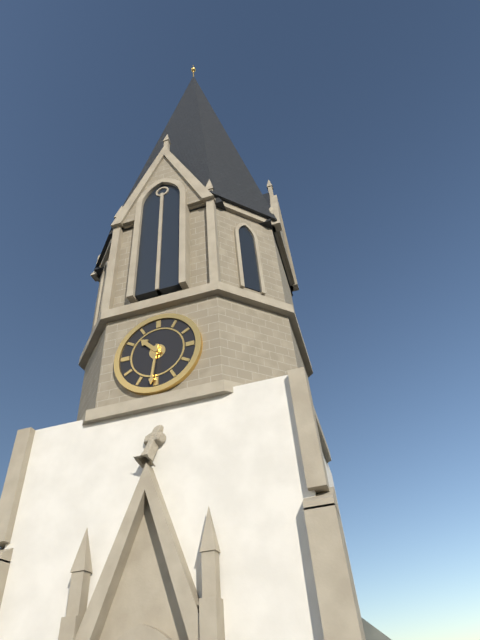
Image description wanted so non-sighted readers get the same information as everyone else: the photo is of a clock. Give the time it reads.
10:31
